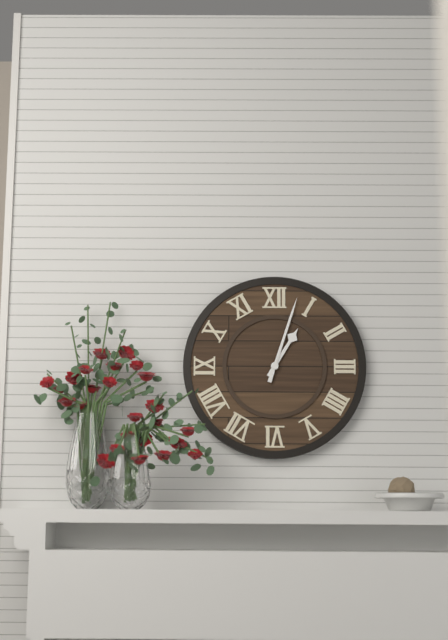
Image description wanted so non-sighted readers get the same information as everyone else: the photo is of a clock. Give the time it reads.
1:03
